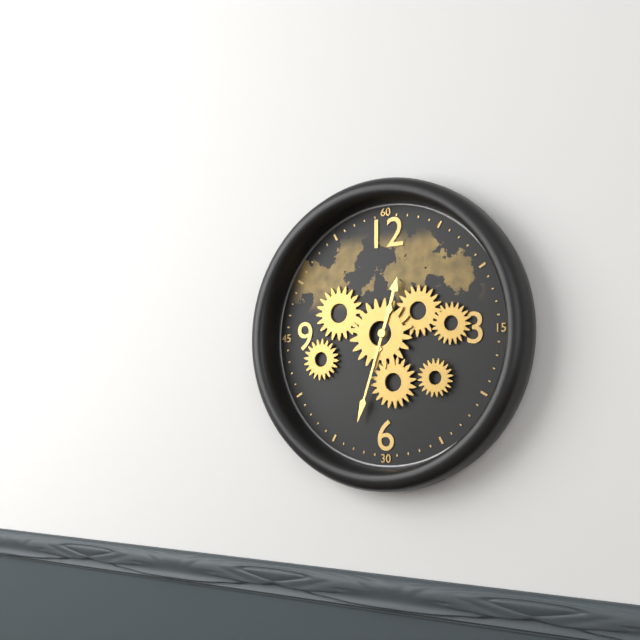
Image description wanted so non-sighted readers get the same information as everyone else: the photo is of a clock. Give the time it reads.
12:33
